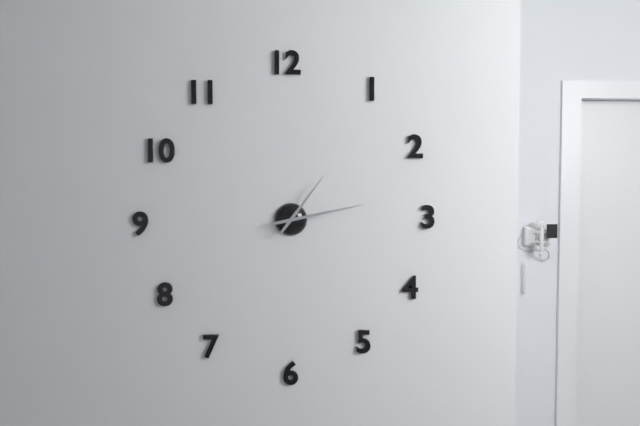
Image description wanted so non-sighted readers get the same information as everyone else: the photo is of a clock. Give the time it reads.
1:13
